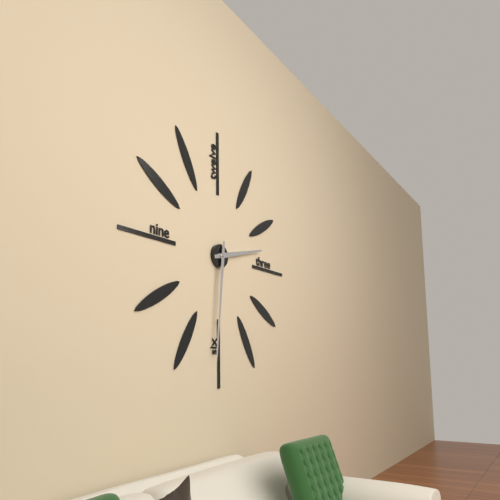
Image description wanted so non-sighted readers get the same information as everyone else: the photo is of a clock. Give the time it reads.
2:31
